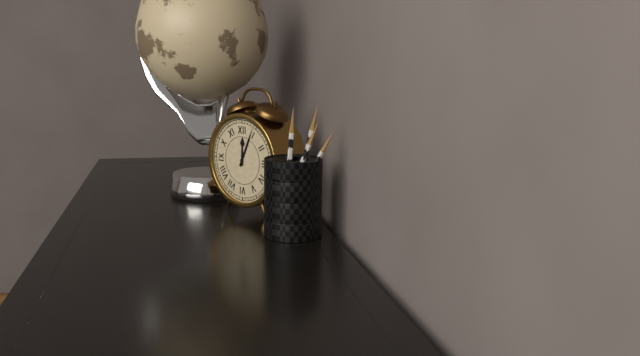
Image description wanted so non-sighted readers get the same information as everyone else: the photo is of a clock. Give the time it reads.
12:04
